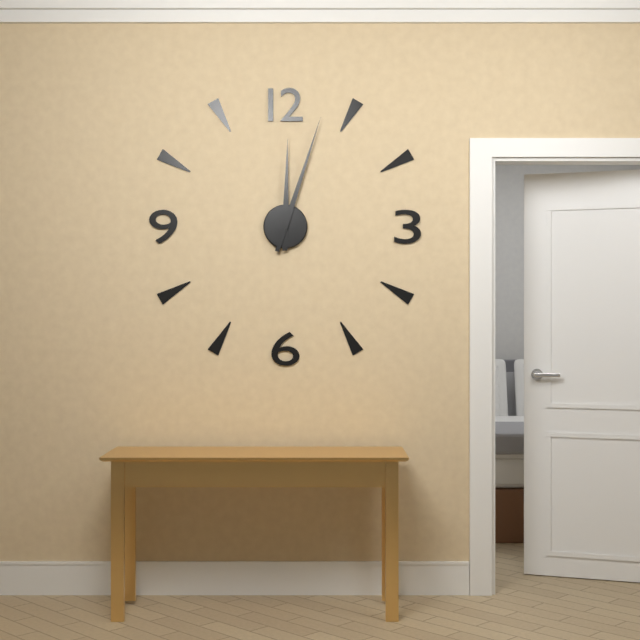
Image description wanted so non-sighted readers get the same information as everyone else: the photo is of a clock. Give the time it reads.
12:03
